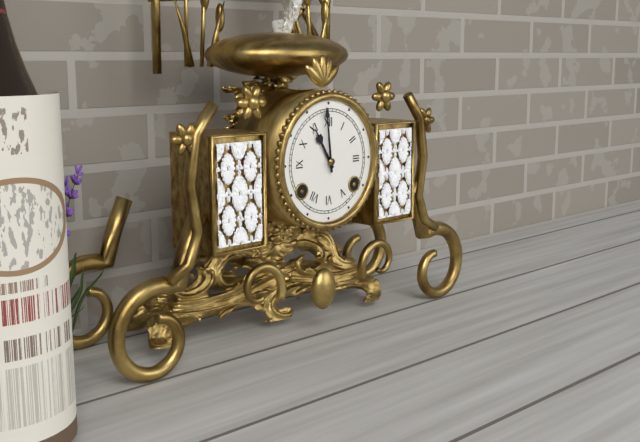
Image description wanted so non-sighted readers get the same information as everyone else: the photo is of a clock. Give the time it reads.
10:59
